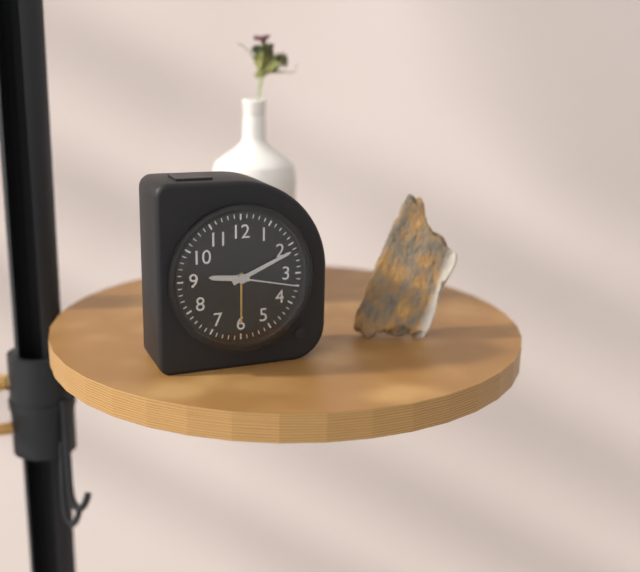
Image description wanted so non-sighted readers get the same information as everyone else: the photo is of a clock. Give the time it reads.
9:11:17
